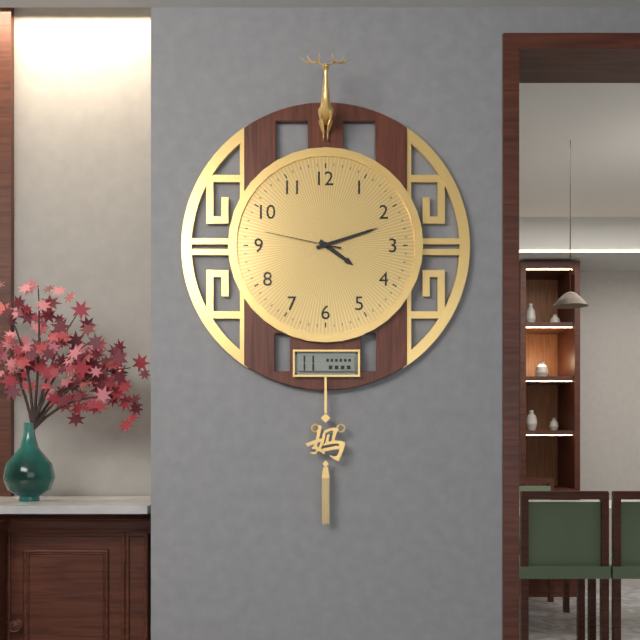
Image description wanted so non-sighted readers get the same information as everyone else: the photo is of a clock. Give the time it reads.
4:12:47
